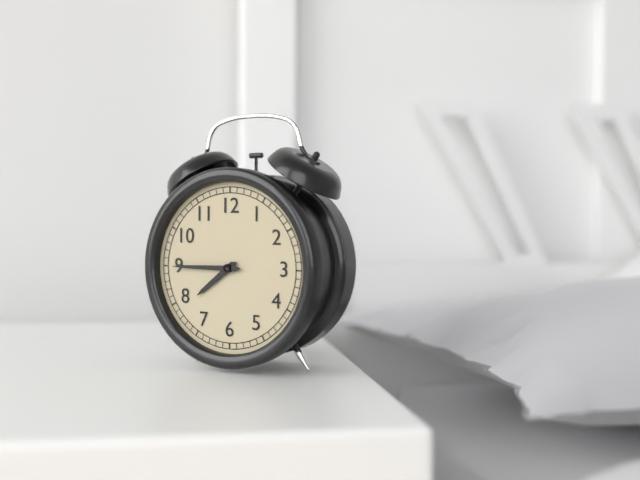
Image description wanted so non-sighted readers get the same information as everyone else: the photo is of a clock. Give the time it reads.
7:45
